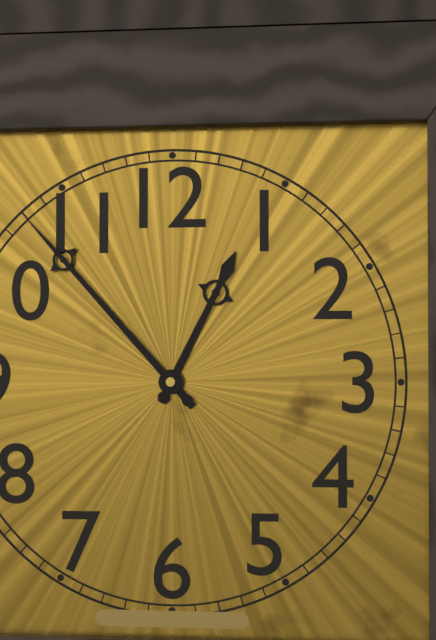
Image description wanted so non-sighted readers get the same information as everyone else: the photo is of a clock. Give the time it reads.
12:53
